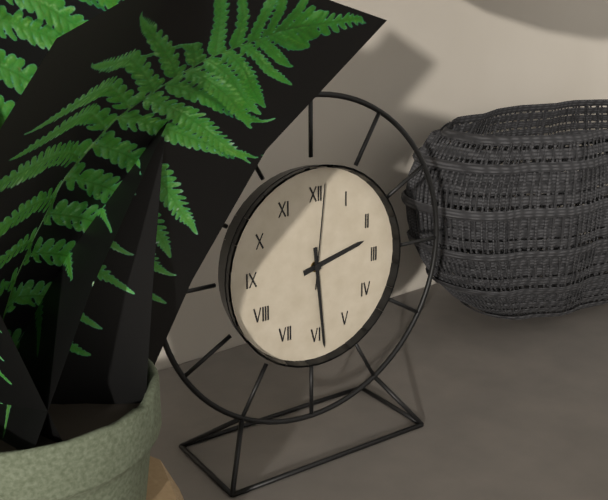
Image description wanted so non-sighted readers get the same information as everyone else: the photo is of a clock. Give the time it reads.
2:29:01
